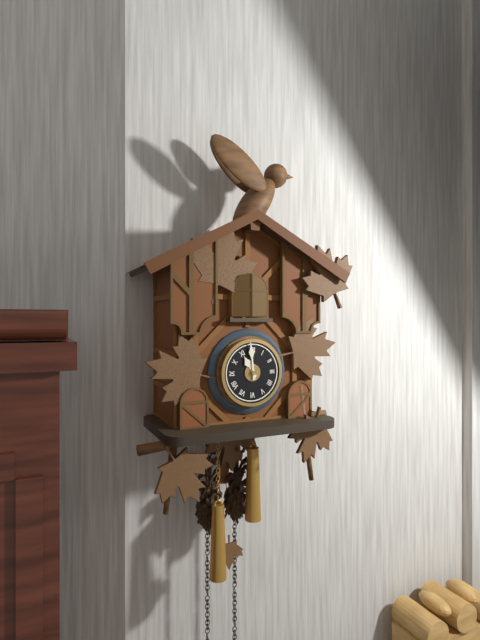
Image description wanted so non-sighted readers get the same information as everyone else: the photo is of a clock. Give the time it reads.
10:59
